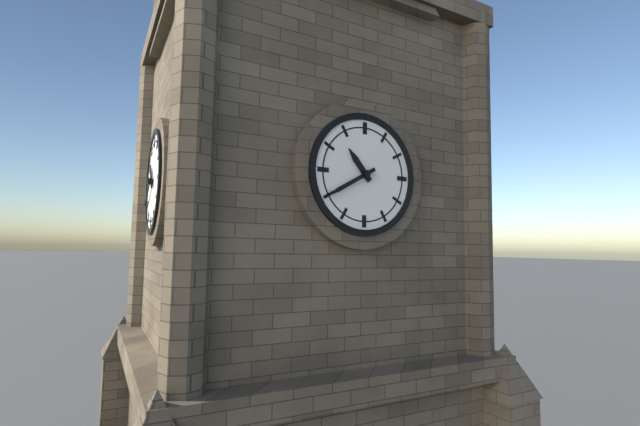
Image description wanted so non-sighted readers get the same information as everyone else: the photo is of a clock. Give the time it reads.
10:40
